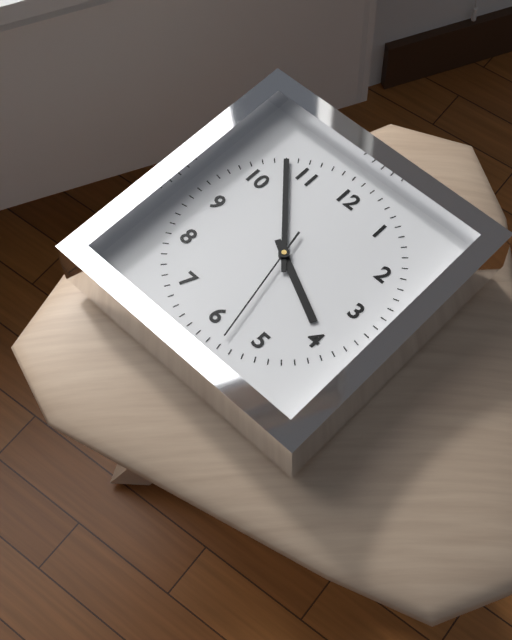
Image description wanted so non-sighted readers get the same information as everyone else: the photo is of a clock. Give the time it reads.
3:53:28
